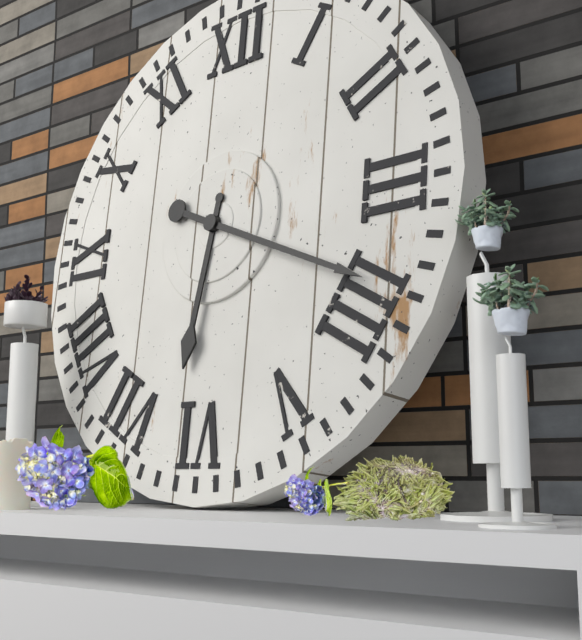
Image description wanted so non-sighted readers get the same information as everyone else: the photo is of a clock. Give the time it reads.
6:19
